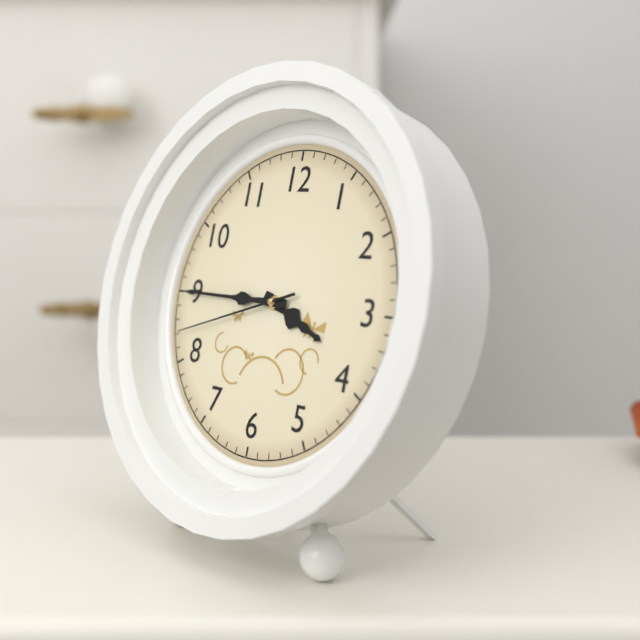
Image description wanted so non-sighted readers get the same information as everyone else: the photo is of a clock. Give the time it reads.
3:45:42
